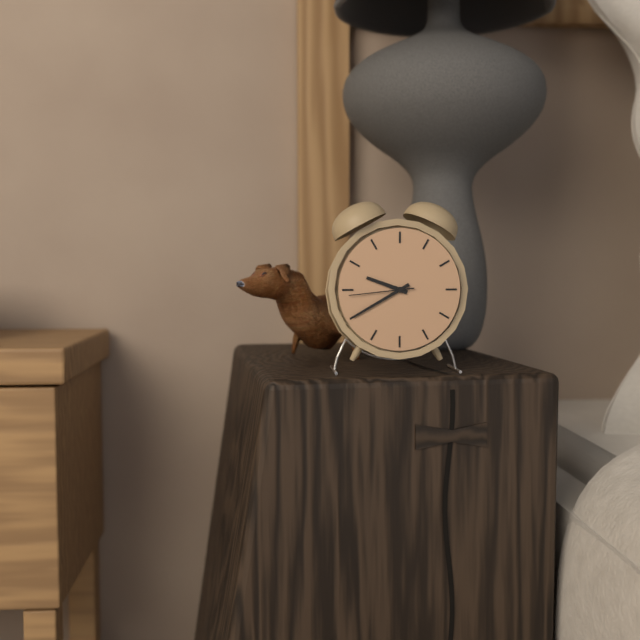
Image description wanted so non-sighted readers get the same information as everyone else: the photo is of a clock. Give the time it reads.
9:40:44
